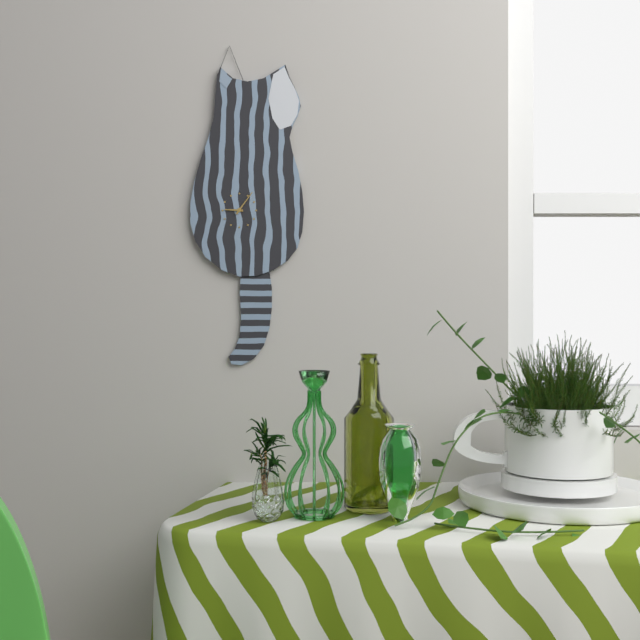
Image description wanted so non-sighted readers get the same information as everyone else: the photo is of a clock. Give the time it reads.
9:06
